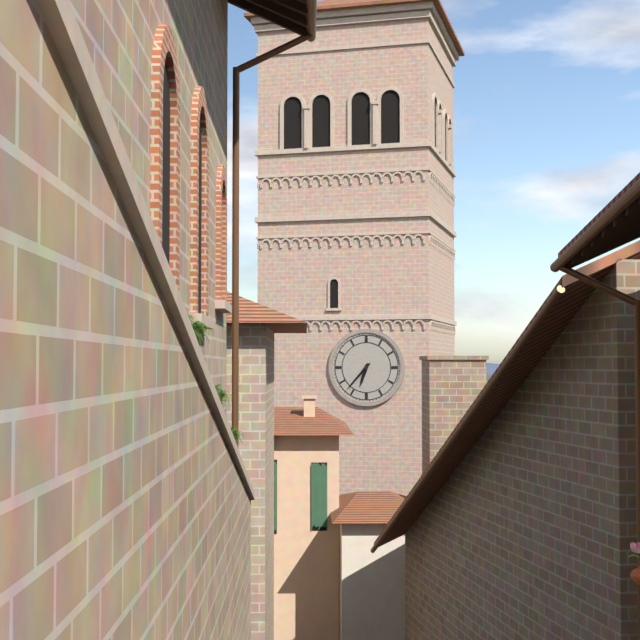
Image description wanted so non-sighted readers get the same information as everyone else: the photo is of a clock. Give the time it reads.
6:37
